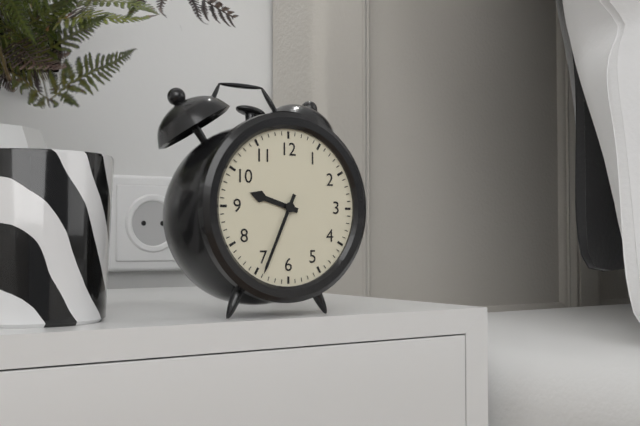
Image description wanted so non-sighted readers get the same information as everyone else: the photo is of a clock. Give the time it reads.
9:34
